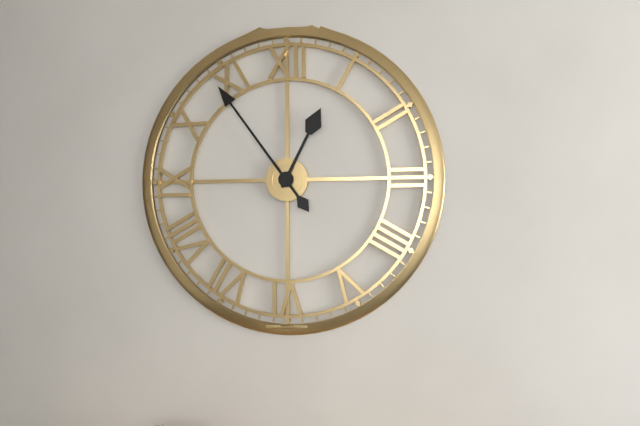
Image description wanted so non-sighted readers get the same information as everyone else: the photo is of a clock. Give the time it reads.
12:54
